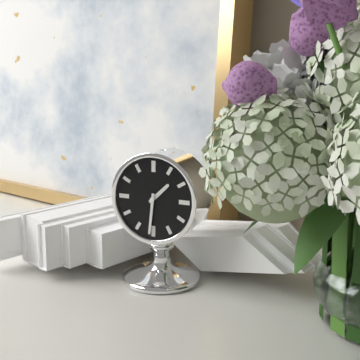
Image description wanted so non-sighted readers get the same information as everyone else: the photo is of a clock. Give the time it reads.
1:31
